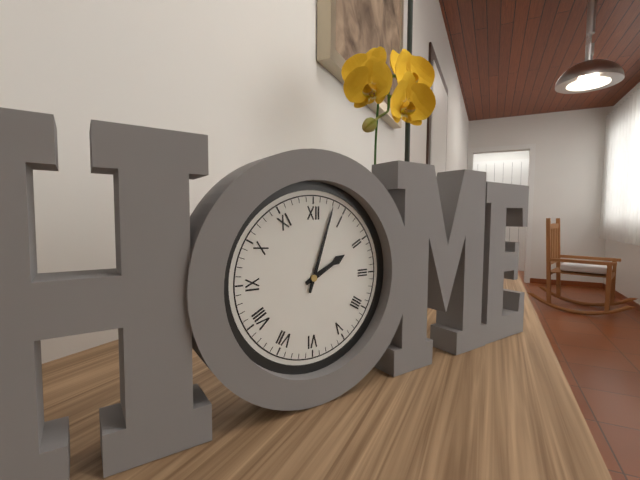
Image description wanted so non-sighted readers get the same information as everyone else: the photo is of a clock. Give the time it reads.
2:03
